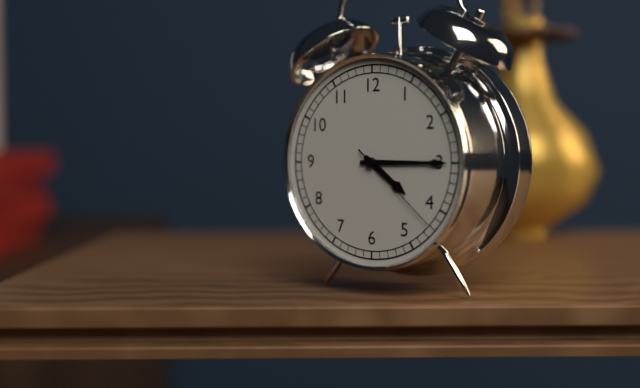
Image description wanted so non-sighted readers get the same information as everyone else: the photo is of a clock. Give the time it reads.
4:15:22
